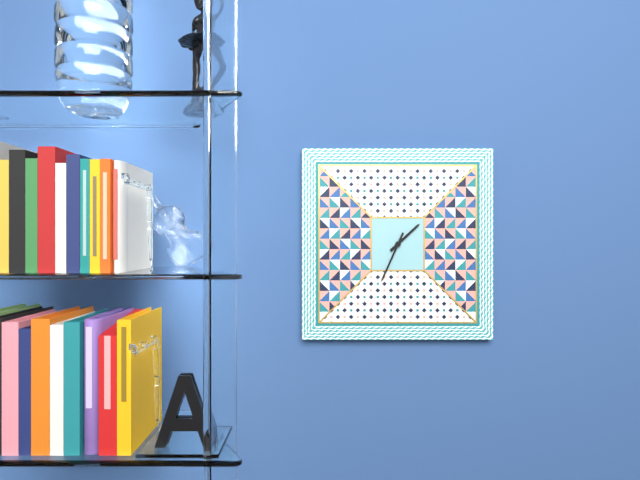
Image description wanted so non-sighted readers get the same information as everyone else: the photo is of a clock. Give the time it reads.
1:34
